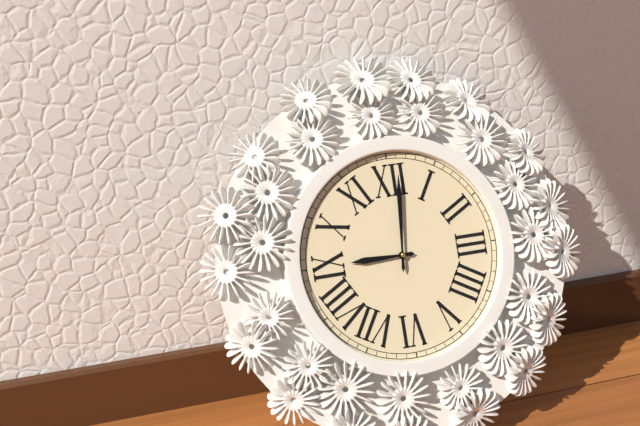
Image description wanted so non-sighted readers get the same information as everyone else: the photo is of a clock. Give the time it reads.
9:01
